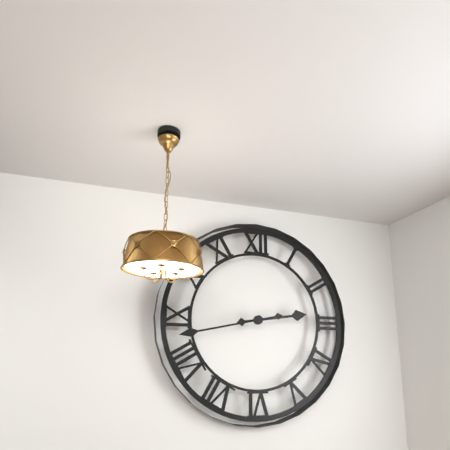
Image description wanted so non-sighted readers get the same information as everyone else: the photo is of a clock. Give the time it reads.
2:43
